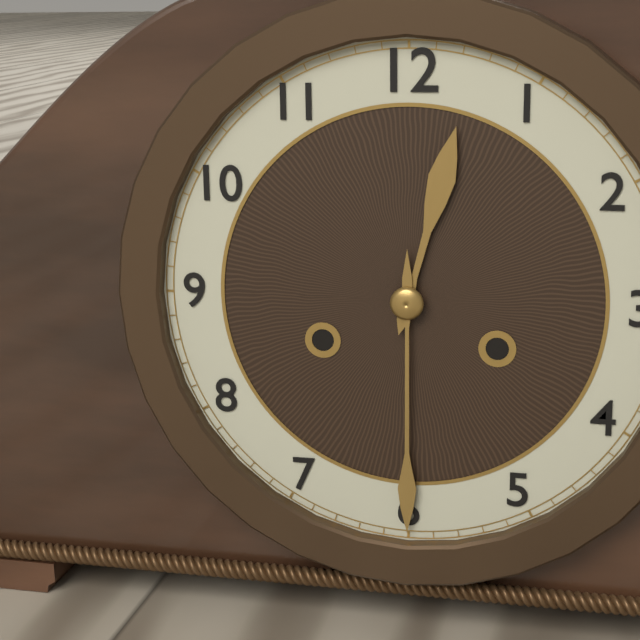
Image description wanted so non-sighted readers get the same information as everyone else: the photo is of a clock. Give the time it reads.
12:30
